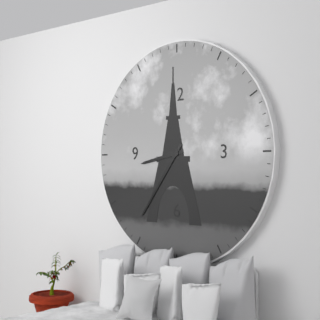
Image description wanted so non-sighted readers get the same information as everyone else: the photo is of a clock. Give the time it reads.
8:36
